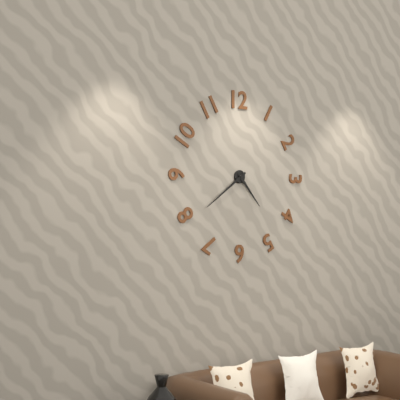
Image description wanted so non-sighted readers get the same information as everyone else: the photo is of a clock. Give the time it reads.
4:39
